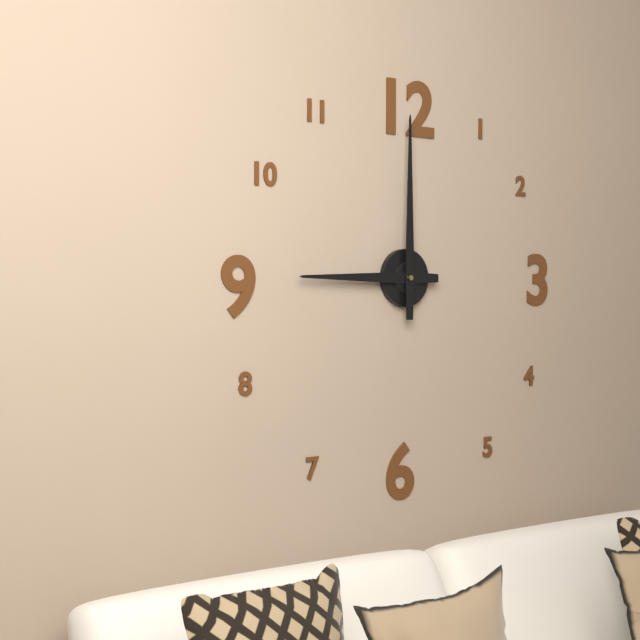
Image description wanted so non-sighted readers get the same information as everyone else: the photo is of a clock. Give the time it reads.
9:00
